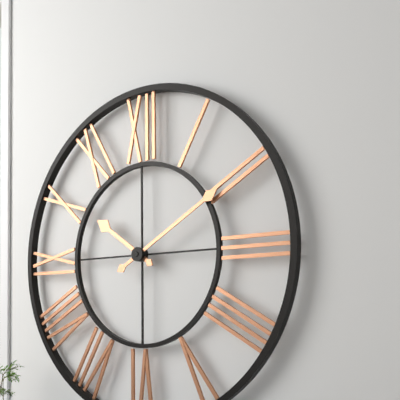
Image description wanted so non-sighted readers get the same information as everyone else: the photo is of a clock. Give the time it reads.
10:10
